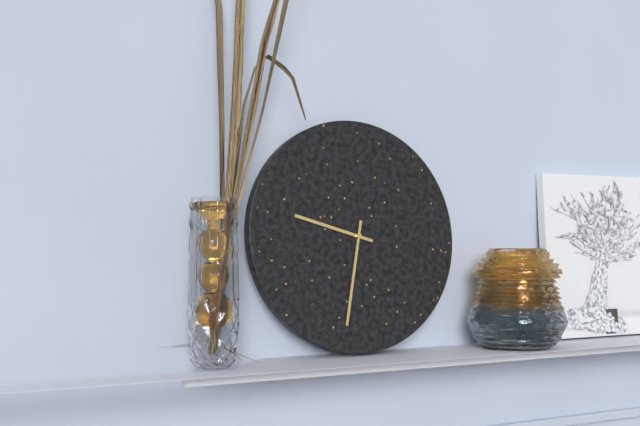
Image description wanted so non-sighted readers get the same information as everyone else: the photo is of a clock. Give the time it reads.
9:32
